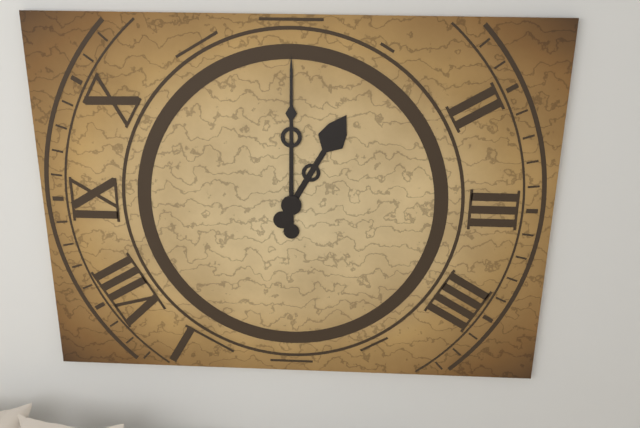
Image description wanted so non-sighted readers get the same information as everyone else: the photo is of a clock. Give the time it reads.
1:00
